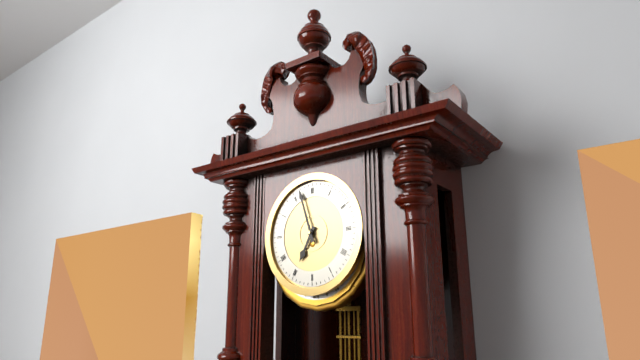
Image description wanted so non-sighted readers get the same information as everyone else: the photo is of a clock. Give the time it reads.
6:57
